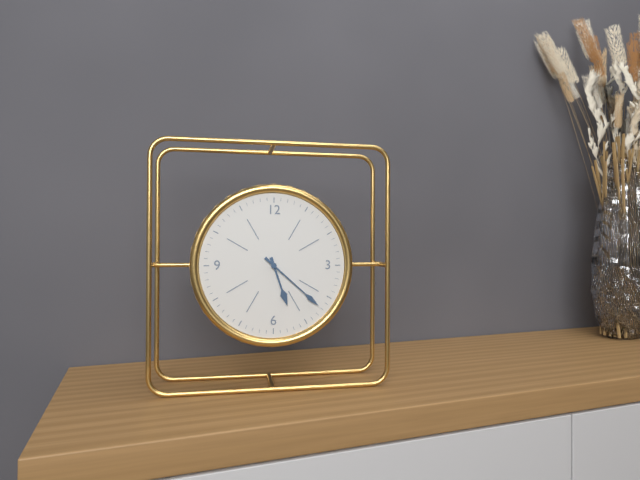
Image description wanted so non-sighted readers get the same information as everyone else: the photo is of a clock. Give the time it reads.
5:22
